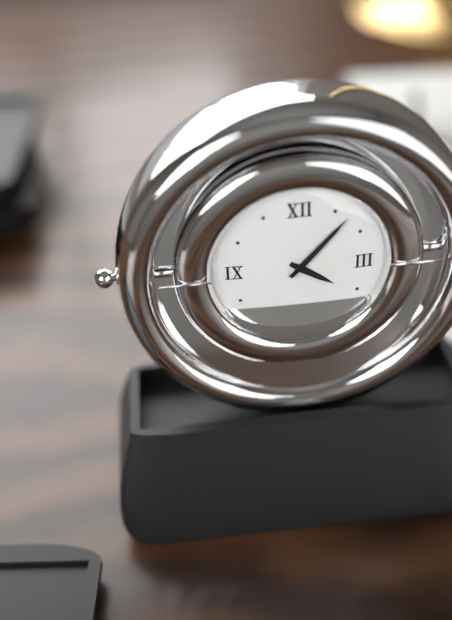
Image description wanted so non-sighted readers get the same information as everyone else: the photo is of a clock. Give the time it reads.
4:07
